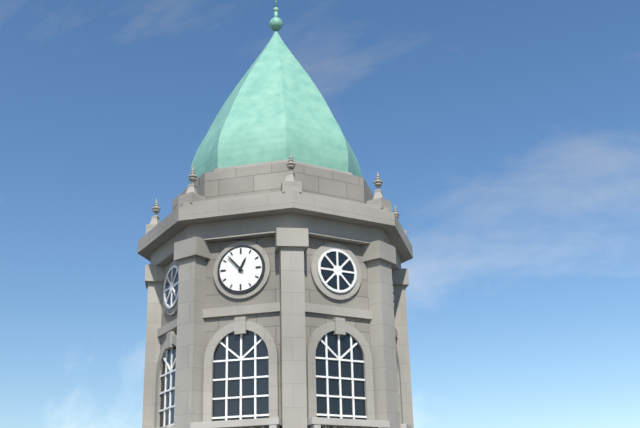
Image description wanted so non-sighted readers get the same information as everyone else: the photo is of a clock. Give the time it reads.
12:53
